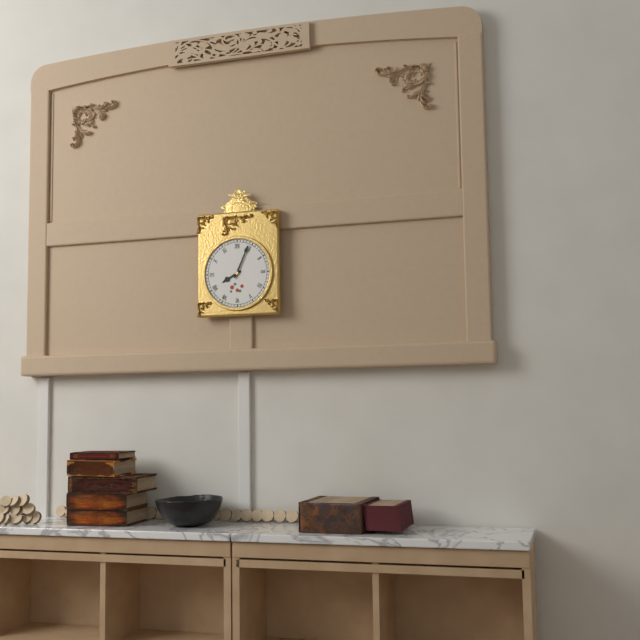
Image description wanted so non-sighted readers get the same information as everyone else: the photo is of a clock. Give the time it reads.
8:04
